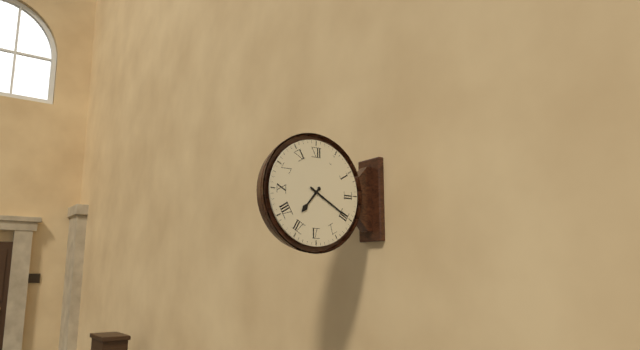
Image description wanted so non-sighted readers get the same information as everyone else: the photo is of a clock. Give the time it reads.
7:20
